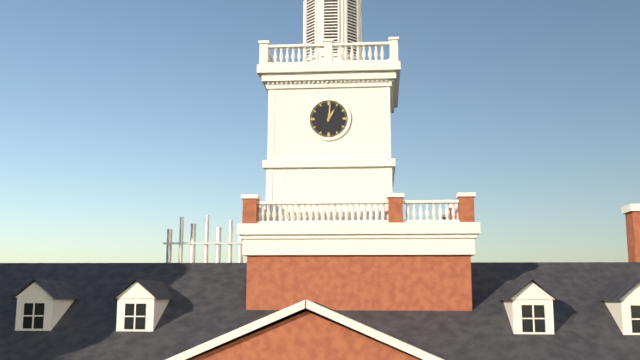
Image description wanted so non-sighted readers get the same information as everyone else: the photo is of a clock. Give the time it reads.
1:01
